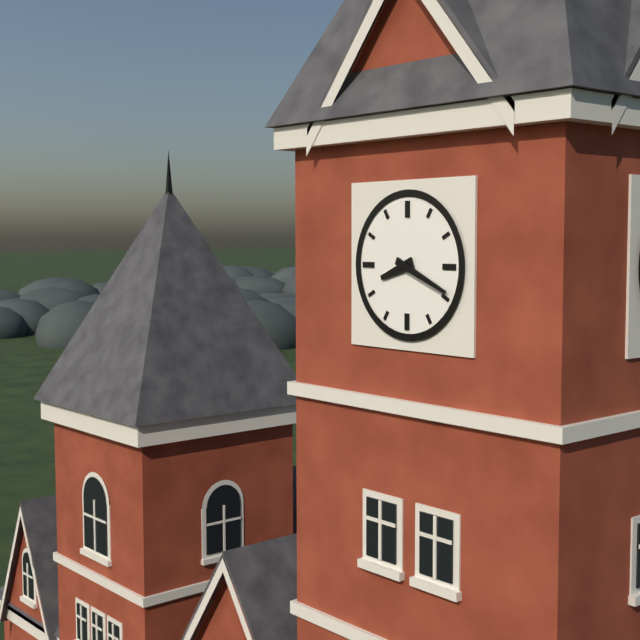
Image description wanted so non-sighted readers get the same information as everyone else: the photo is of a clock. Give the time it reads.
8:19
